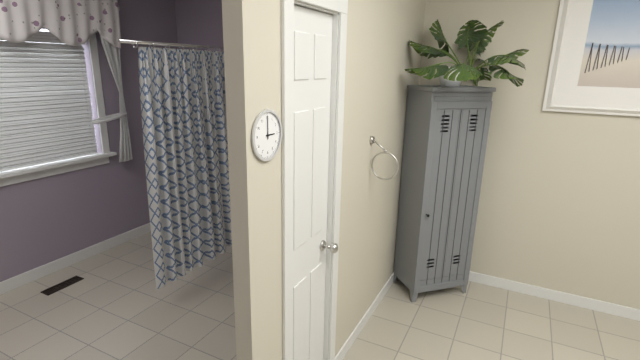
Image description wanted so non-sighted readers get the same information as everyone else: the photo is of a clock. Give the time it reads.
3:00
